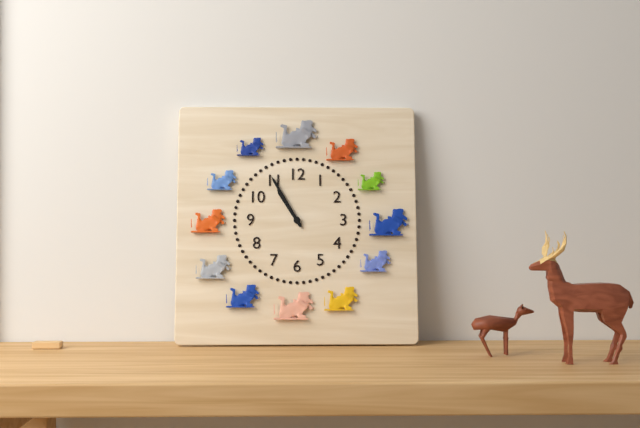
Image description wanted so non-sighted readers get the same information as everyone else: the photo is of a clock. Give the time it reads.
10:55
